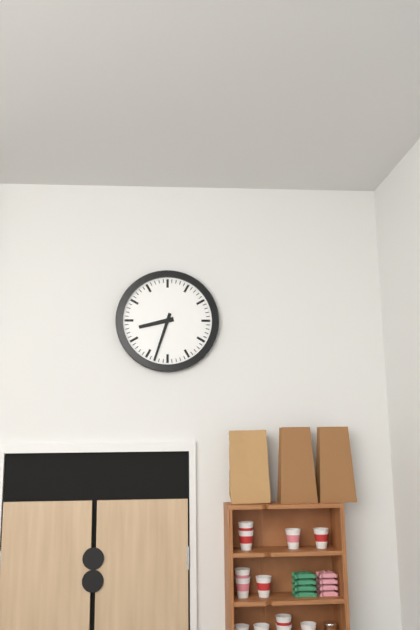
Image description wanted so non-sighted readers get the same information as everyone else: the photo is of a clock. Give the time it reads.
8:33
